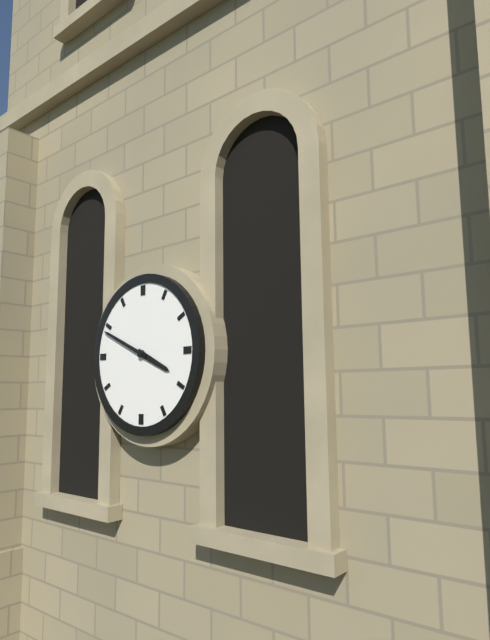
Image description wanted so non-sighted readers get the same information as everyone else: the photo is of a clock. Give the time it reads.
3:49
